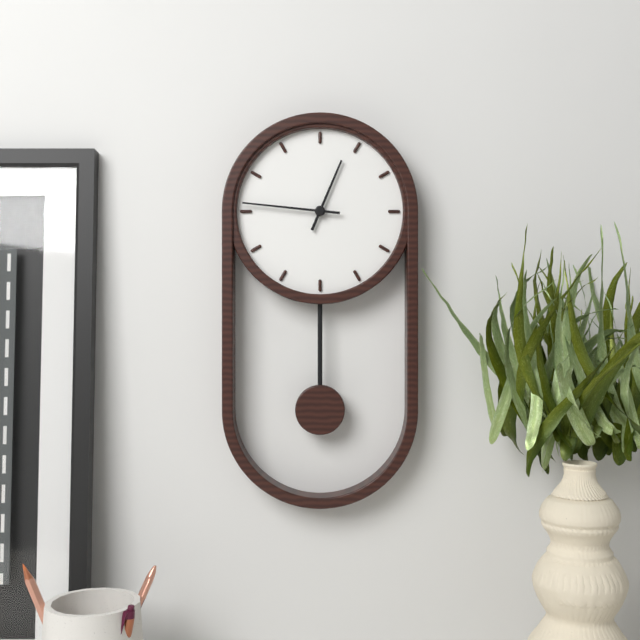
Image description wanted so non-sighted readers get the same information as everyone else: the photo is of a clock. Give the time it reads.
12:46
